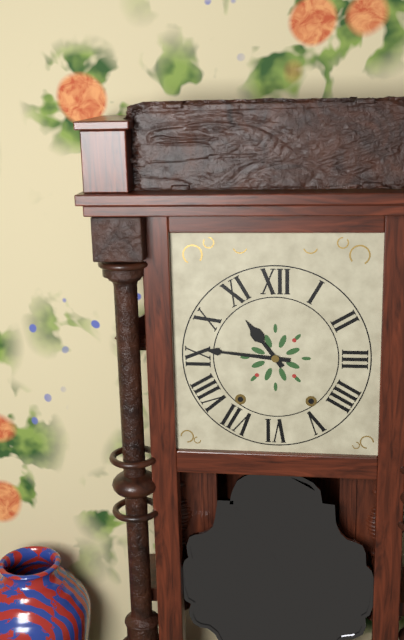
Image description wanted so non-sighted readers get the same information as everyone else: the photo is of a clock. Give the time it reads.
10:46
